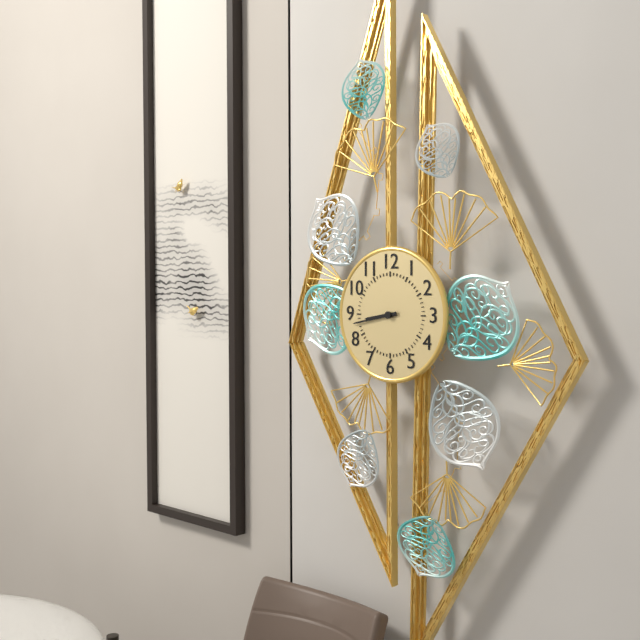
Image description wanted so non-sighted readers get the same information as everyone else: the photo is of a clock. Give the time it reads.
8:43
